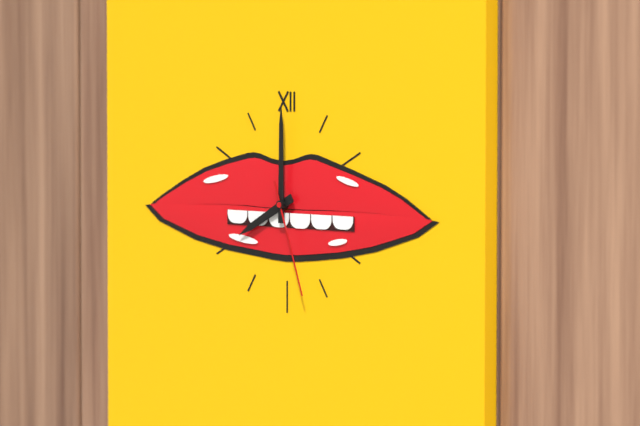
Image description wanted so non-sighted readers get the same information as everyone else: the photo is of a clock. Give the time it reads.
8:00:27
